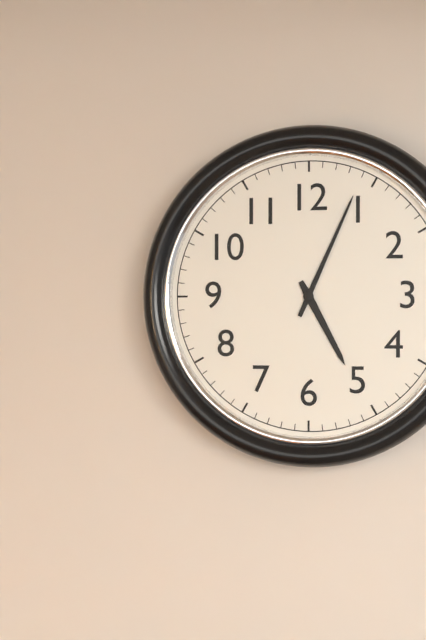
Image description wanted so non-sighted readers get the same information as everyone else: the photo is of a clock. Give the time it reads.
5:04
